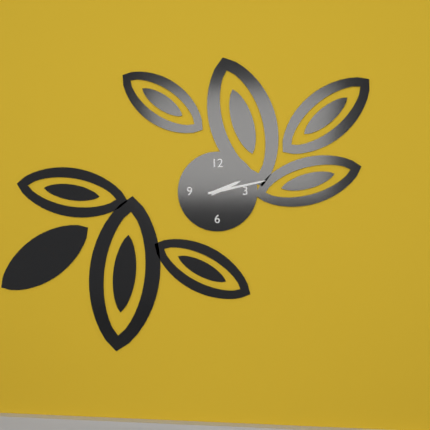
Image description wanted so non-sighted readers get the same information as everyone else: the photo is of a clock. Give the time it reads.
2:13
